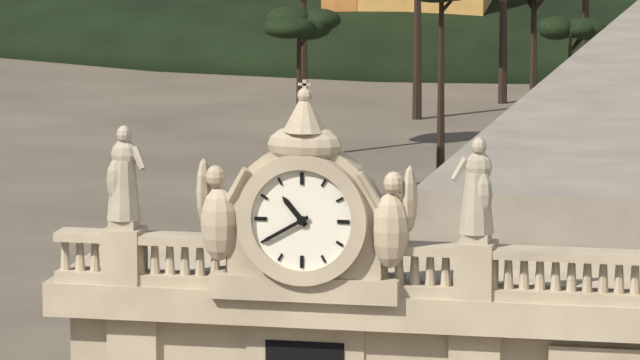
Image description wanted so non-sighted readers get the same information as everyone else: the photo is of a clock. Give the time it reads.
10:40
